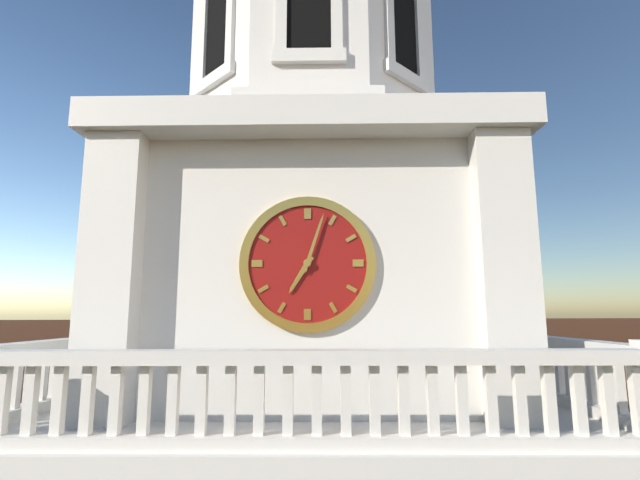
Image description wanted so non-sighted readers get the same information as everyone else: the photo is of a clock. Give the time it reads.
7:03
